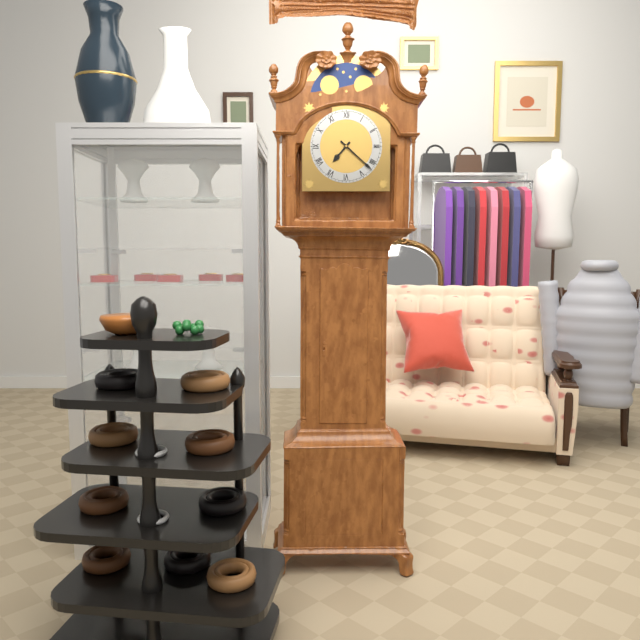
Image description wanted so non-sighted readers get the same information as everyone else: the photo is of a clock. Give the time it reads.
7:22
